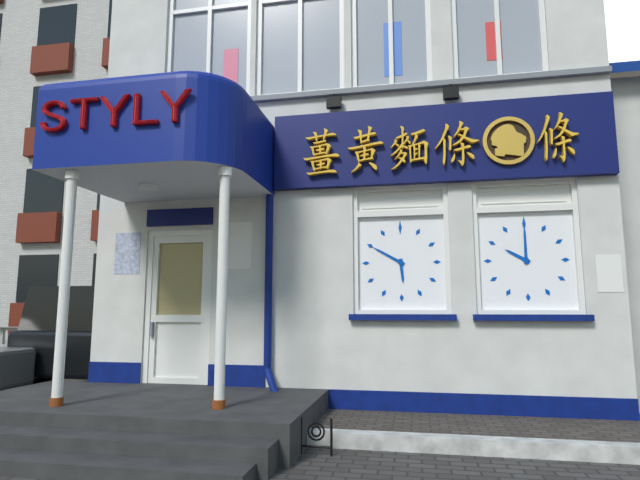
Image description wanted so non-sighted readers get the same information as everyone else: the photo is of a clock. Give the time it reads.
5:50
